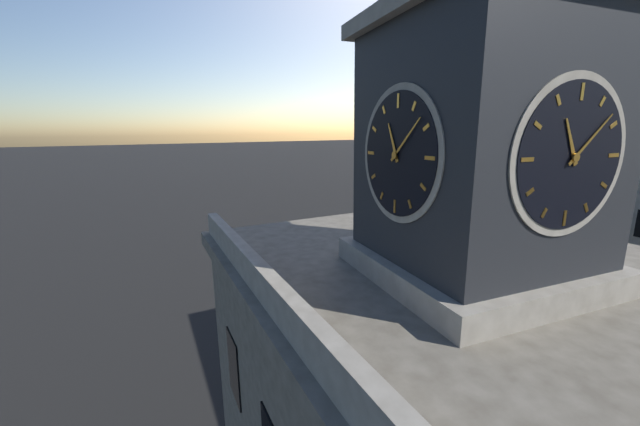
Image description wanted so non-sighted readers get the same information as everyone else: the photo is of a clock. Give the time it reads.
11:08
